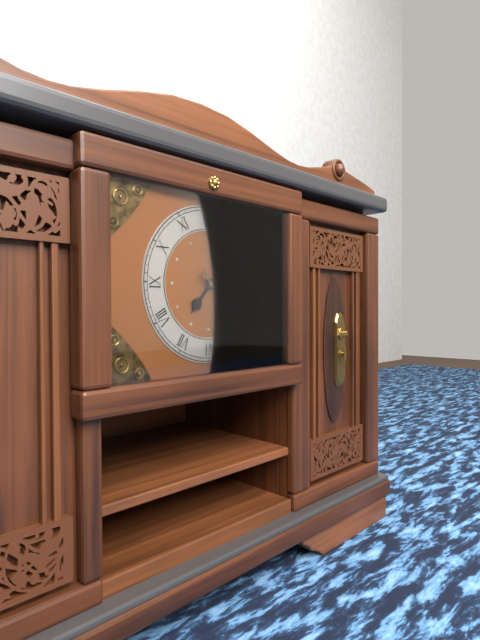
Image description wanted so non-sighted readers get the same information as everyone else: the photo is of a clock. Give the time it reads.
7:21:22
